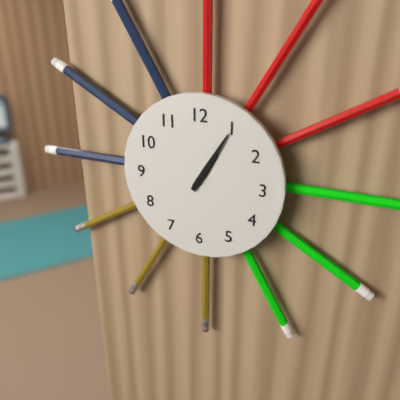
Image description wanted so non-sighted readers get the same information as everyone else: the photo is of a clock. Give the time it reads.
1:05
